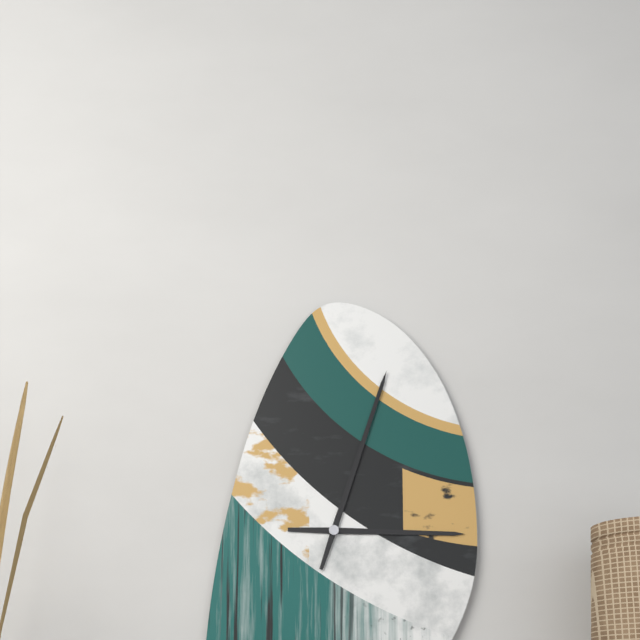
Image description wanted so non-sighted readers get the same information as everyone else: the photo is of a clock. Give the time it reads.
3:03
